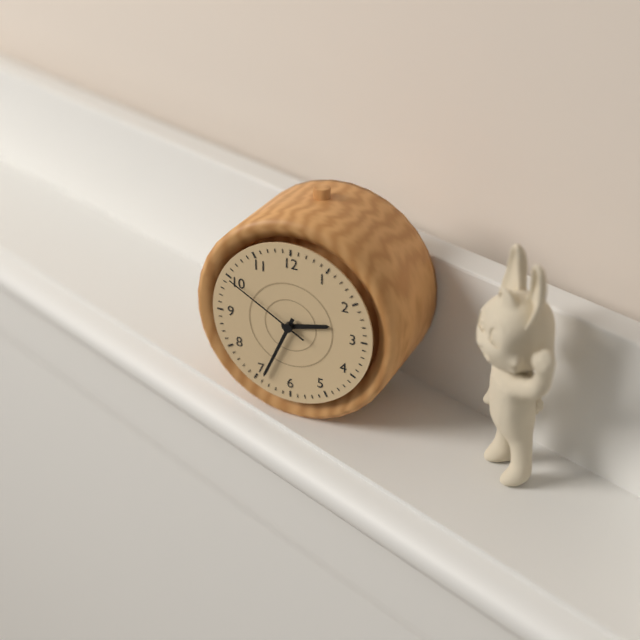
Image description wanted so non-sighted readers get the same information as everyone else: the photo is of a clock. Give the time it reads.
2:34:50
